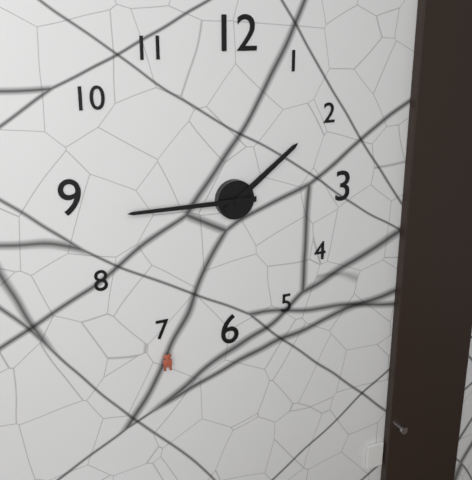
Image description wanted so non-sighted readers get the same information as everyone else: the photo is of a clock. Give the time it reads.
1:45
